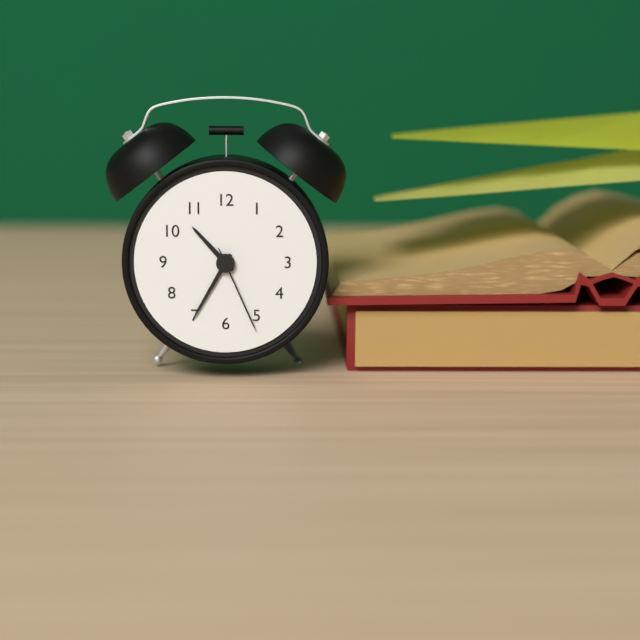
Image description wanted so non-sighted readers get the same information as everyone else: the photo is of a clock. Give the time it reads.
10:35:26
